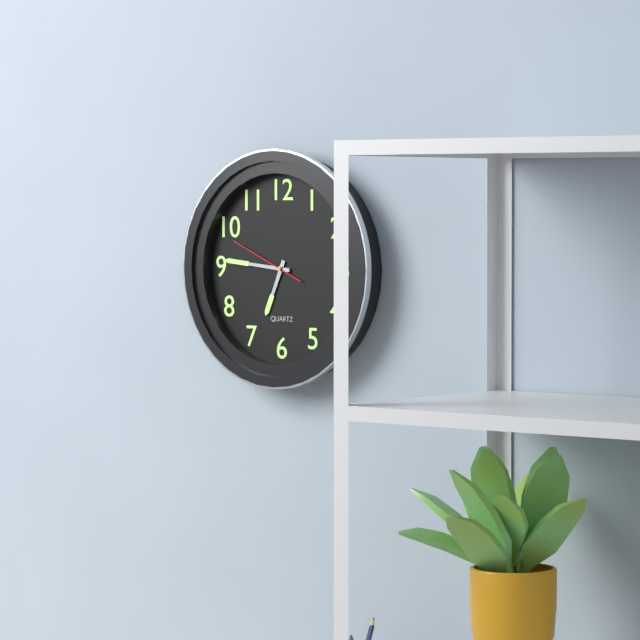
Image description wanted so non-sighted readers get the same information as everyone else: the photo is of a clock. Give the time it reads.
6:46:49
